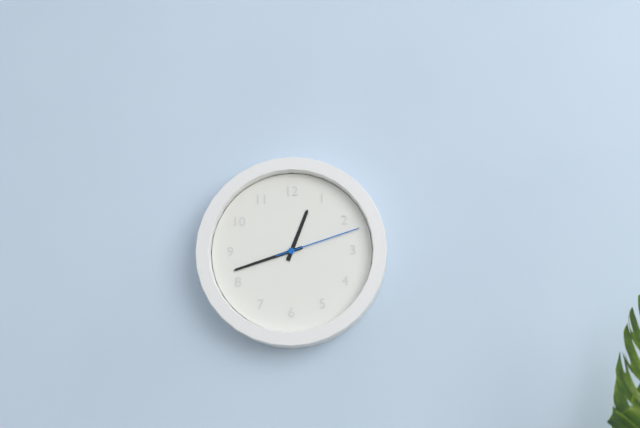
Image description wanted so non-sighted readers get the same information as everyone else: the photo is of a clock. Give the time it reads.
12:42:12
